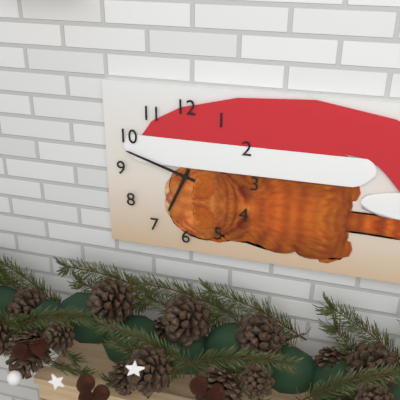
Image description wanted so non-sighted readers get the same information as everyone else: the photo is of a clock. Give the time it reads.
6:48
